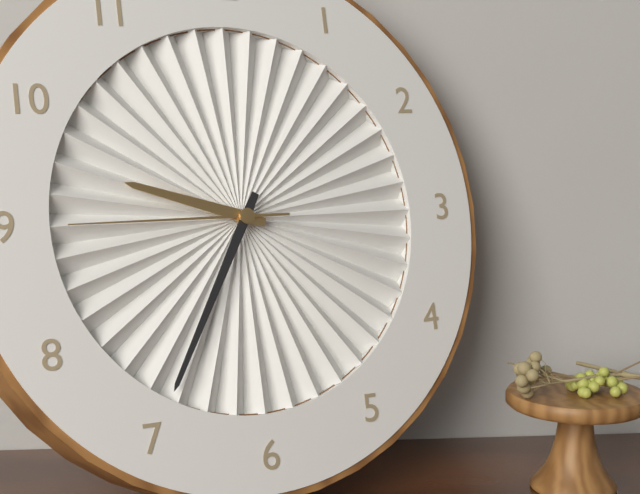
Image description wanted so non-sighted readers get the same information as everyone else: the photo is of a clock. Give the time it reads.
9:35:45
